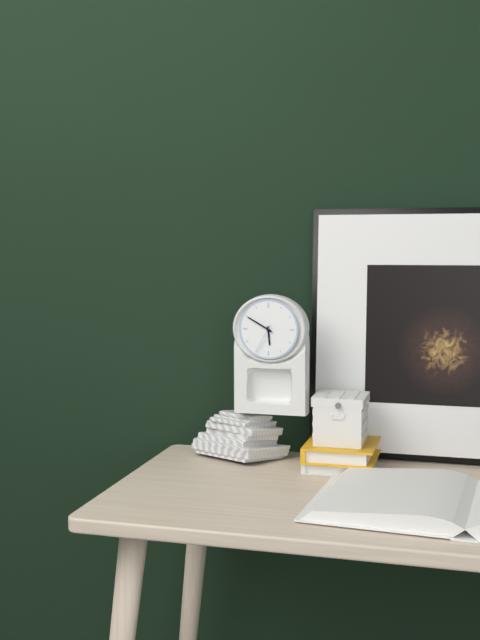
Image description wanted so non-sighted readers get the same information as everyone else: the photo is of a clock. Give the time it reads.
5:50
